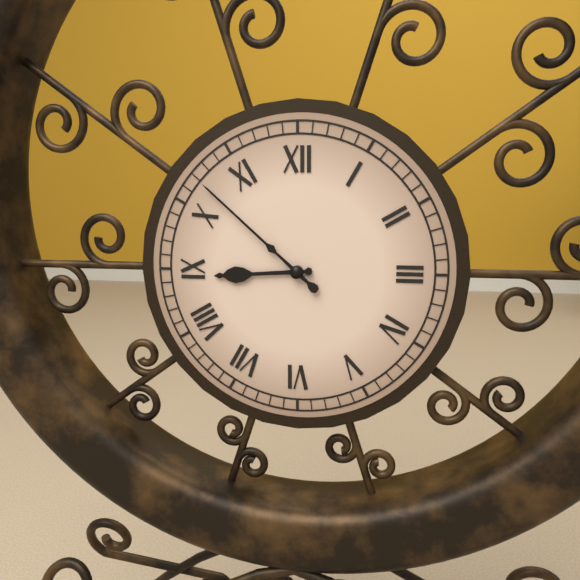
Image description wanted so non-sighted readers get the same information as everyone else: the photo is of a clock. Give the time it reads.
8:52
